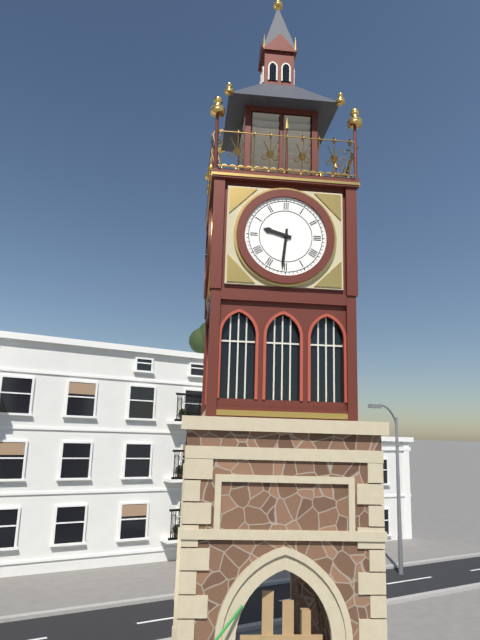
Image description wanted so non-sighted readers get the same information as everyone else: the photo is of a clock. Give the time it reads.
9:31
